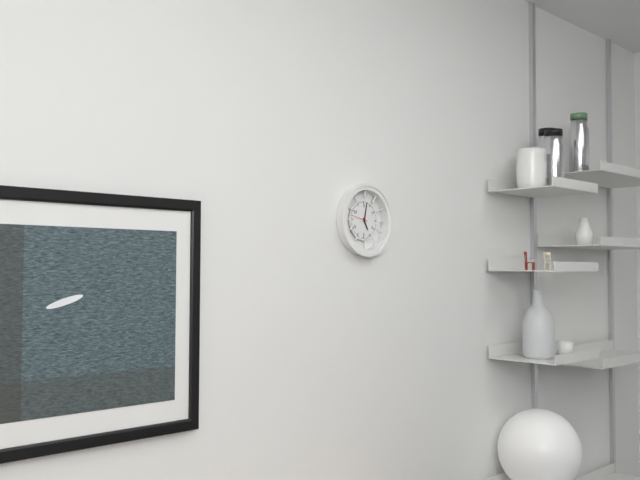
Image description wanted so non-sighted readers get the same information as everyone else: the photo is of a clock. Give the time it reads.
5:02
